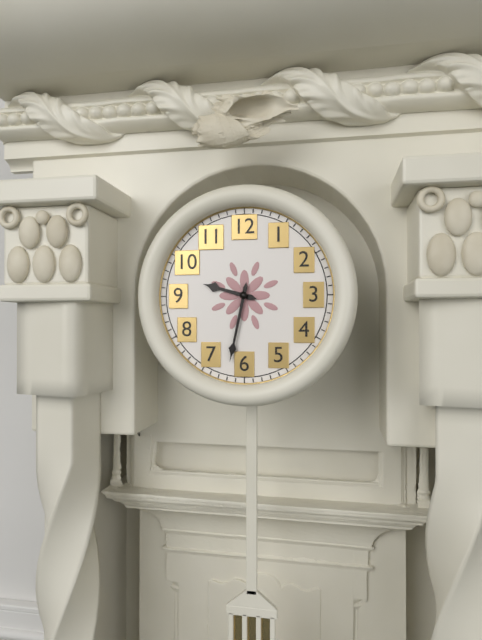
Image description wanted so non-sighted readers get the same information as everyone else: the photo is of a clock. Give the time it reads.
9:32
